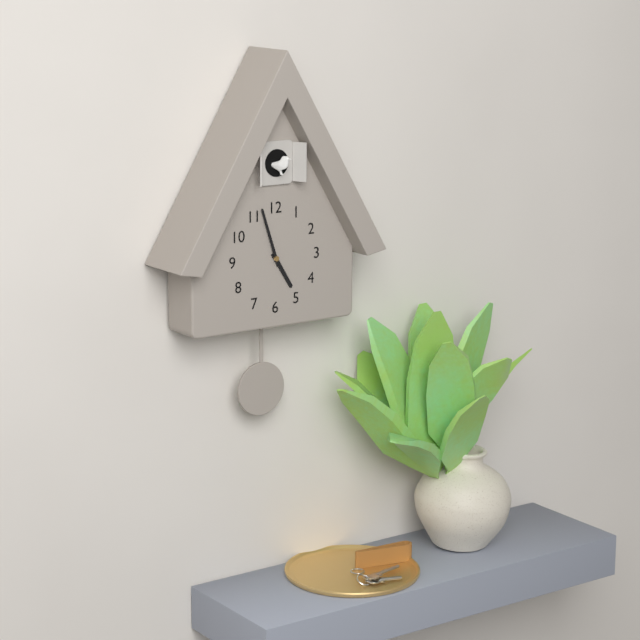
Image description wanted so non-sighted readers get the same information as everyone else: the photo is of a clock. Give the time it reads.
4:57
